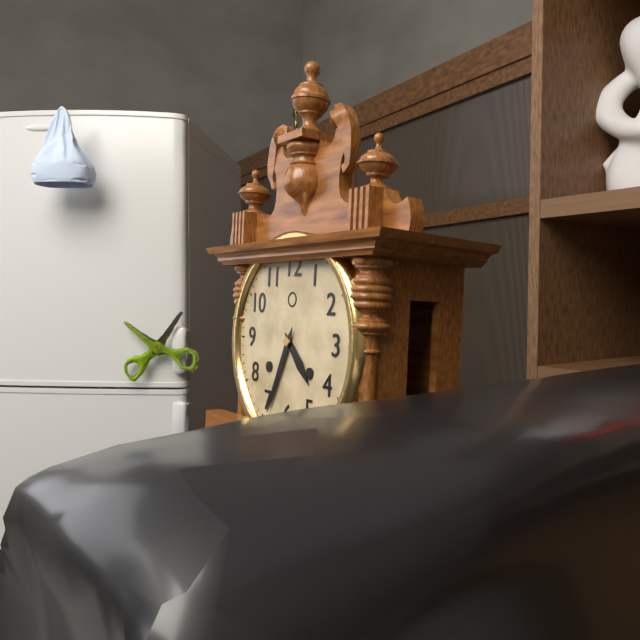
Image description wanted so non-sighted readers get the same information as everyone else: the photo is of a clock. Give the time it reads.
4:34
